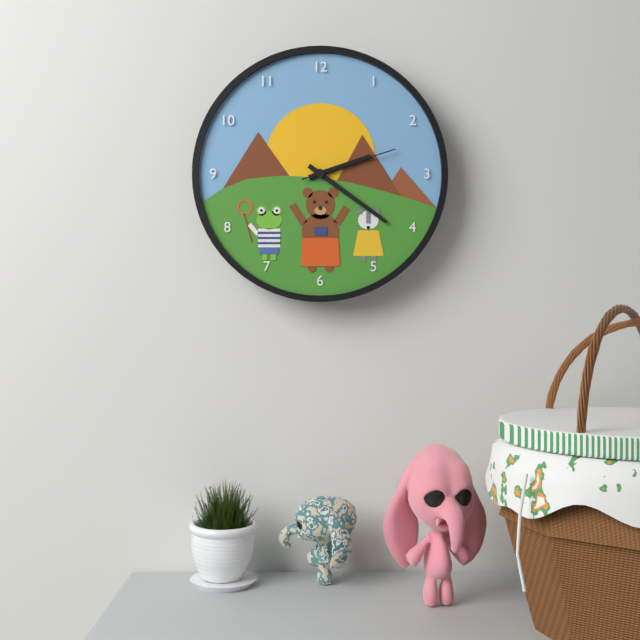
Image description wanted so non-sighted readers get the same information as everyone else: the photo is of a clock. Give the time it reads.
2:21:12
